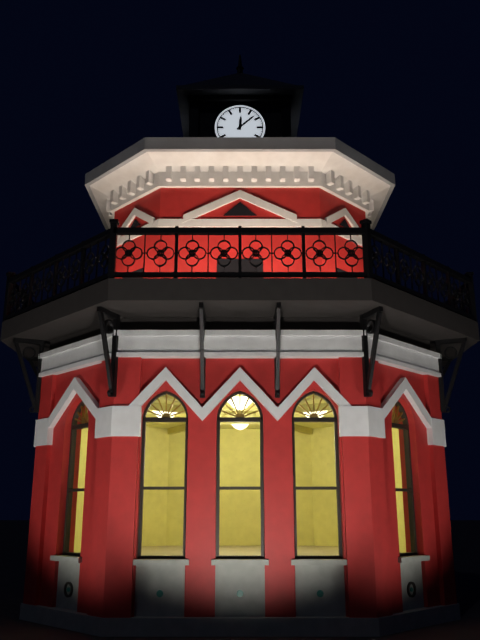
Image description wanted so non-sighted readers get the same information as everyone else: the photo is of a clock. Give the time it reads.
12:08
